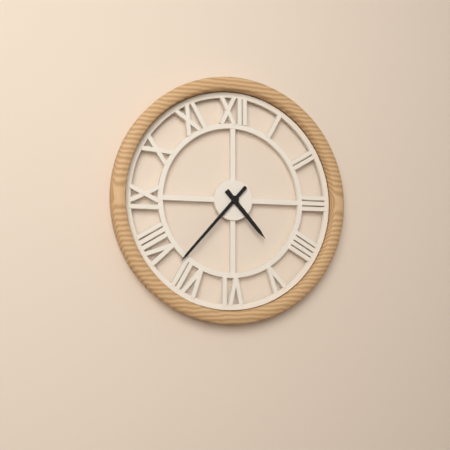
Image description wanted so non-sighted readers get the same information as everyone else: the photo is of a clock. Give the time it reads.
4:37
